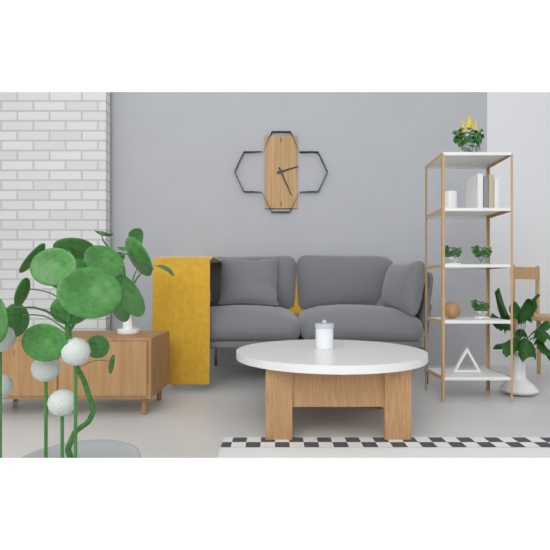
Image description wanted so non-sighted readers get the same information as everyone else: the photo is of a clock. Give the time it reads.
2:26
